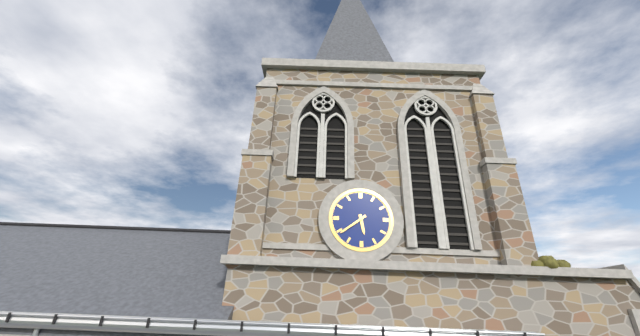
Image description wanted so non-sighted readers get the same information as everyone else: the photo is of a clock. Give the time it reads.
5:39
